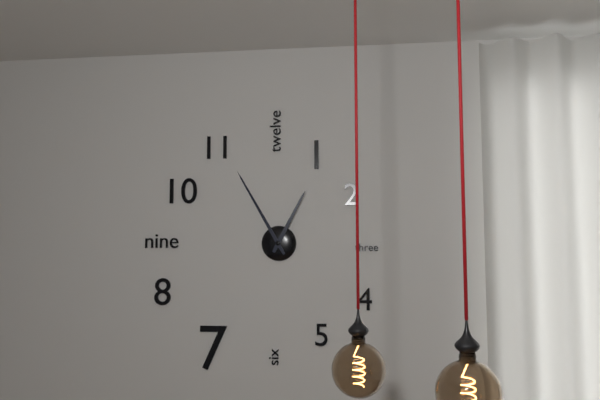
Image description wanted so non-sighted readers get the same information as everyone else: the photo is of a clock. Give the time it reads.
12:55
